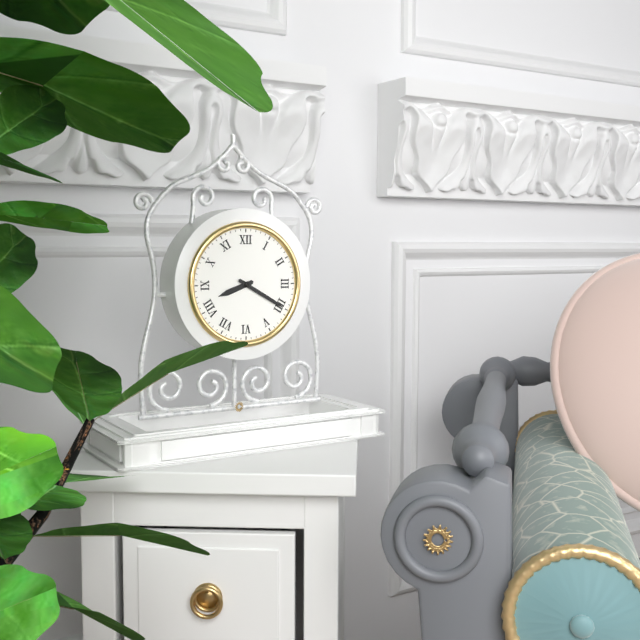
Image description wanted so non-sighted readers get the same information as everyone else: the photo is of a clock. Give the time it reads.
8:20
